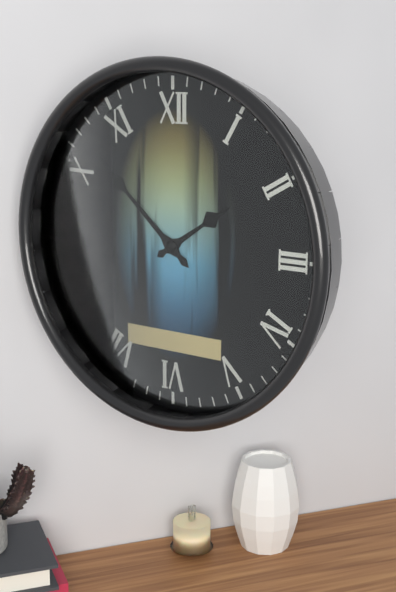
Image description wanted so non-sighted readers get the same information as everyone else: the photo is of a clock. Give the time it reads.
1:52
